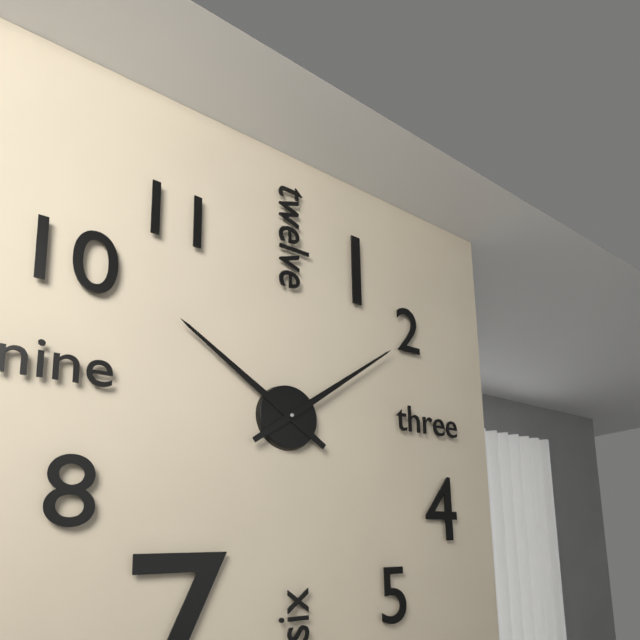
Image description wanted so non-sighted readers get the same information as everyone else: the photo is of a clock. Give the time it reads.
10:09
